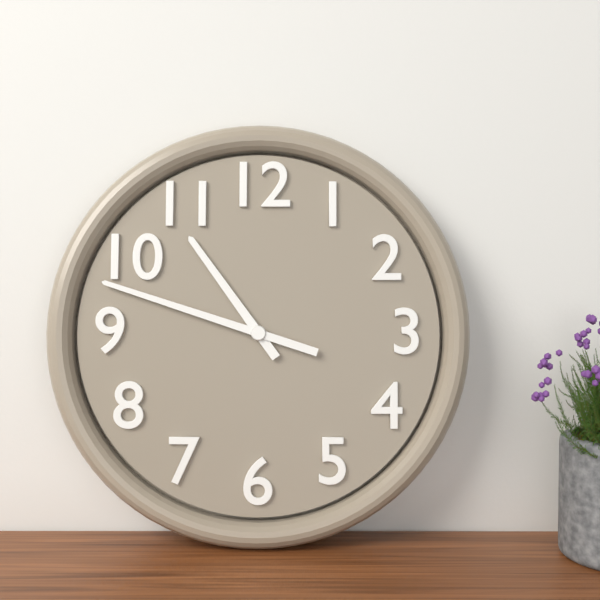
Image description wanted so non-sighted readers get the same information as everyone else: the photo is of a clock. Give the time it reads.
10:48
